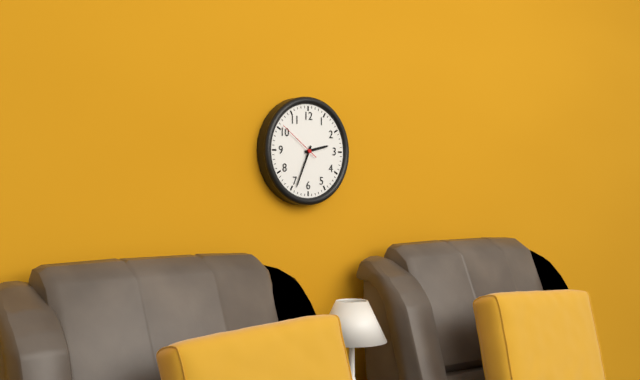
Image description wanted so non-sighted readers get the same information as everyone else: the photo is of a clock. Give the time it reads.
2:34
